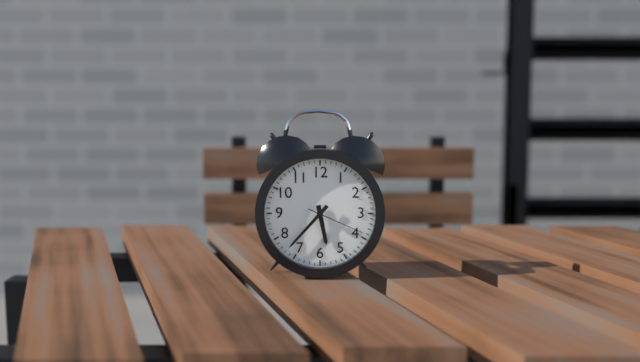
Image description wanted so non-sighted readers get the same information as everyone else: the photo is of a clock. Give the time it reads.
5:37:19
